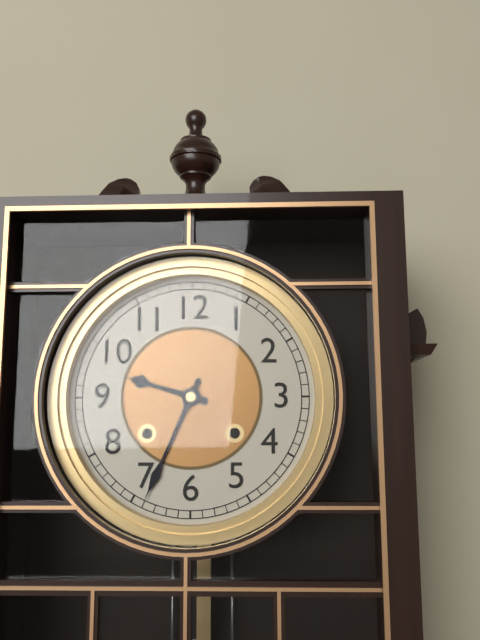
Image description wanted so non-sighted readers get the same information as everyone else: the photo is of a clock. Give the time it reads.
9:34
